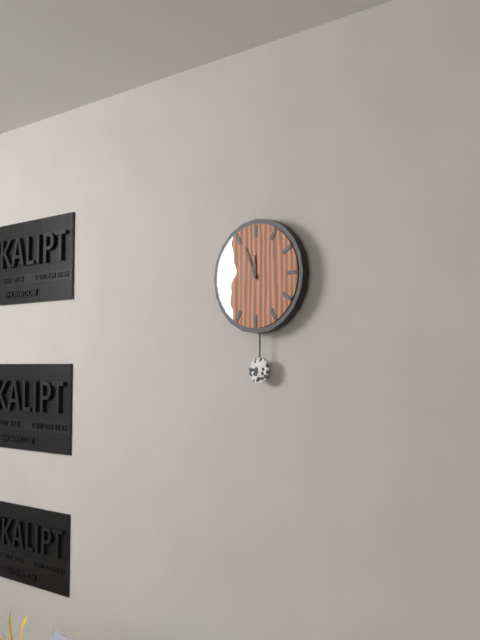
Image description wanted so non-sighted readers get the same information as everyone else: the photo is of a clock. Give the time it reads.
11:56
